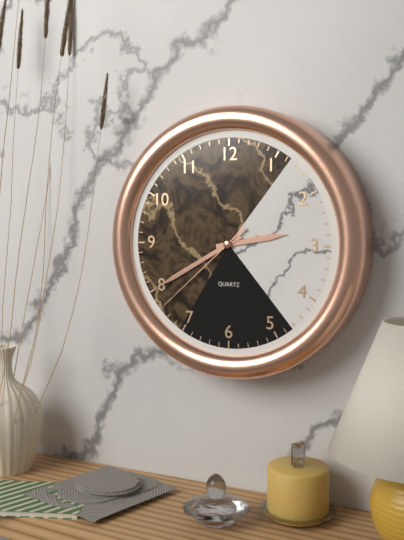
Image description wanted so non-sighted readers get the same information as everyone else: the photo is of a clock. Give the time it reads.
2:40:38
